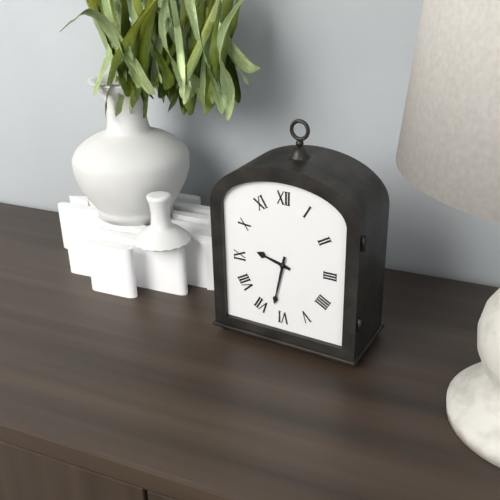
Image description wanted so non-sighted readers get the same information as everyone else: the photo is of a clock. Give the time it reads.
9:32
